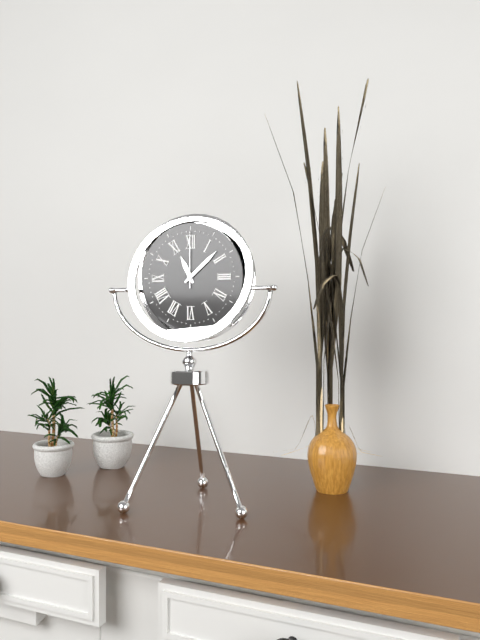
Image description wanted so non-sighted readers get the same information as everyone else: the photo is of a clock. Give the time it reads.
11:08:00
